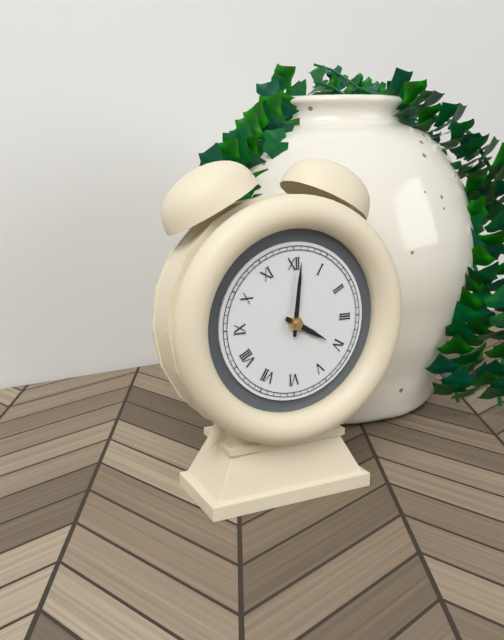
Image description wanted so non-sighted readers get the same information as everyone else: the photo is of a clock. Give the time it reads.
4:01
